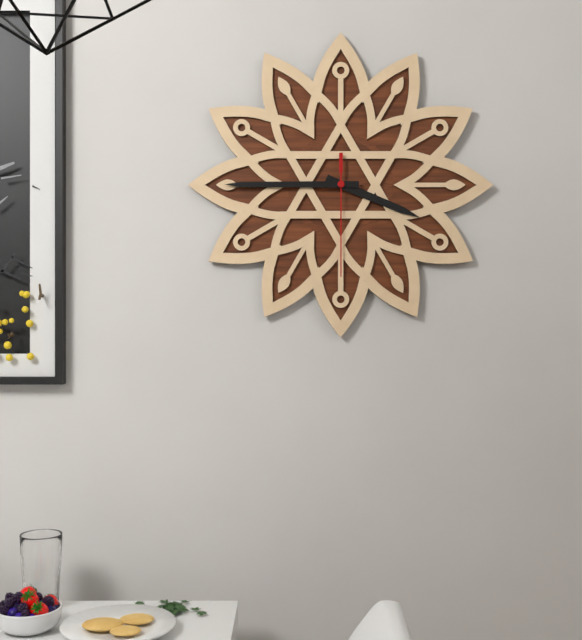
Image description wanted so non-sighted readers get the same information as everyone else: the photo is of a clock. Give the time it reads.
3:45:30
